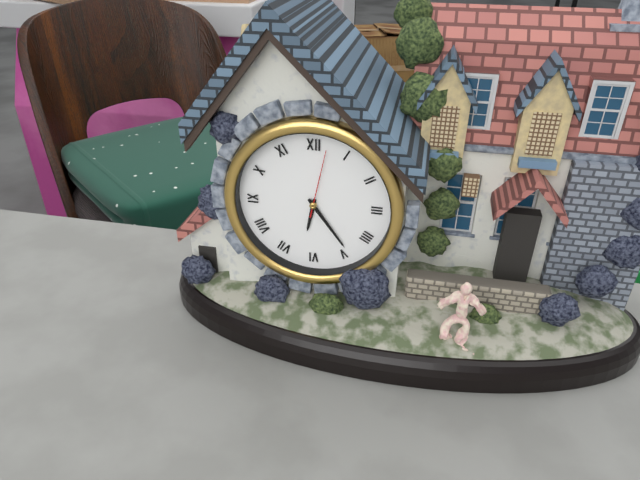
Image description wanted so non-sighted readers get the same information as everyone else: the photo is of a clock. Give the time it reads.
6:24:02
